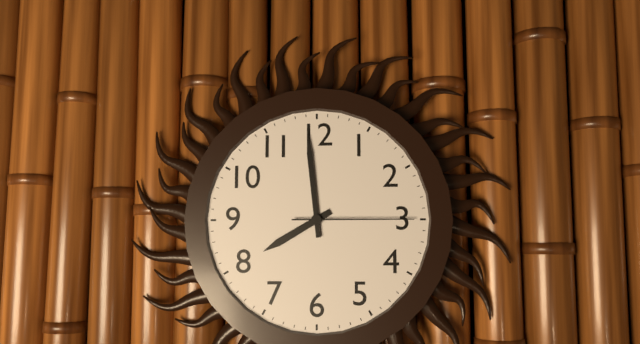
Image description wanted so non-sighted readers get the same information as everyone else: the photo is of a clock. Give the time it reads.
7:59:15
